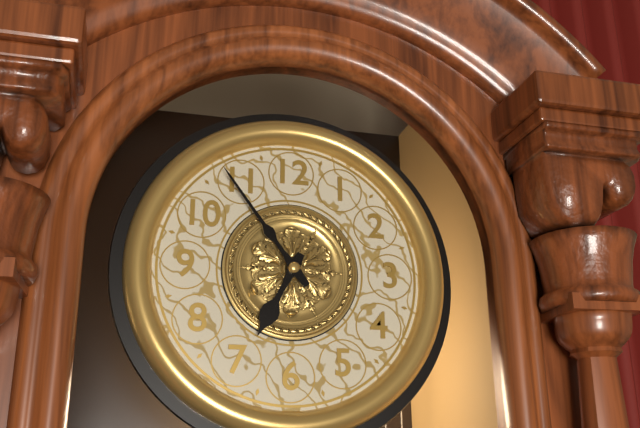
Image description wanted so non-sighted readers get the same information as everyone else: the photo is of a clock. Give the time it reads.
6:54
